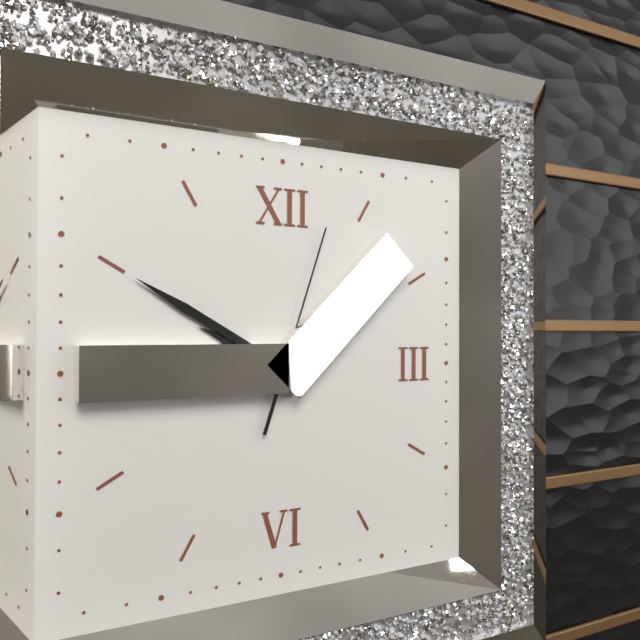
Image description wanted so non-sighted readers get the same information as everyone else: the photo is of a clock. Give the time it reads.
9:50:03
